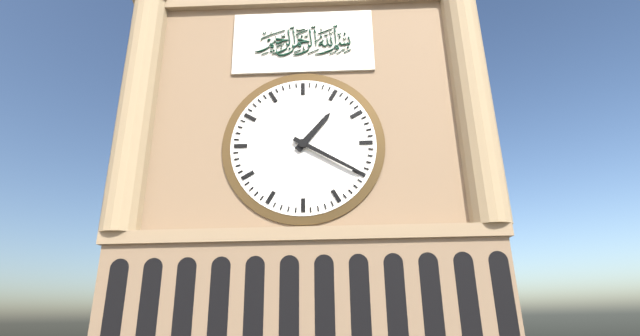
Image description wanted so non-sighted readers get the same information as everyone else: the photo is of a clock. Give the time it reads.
1:20
